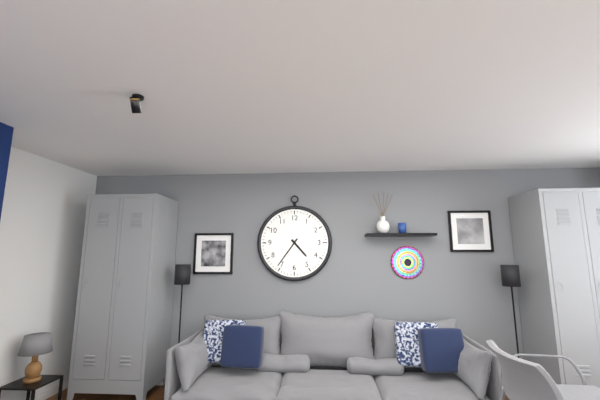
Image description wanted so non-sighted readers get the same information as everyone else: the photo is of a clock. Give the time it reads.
4:36
